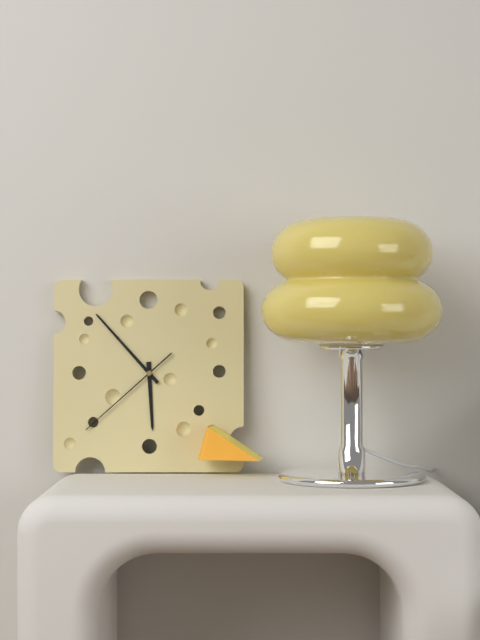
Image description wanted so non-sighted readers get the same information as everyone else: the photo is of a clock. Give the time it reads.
5:53:38
